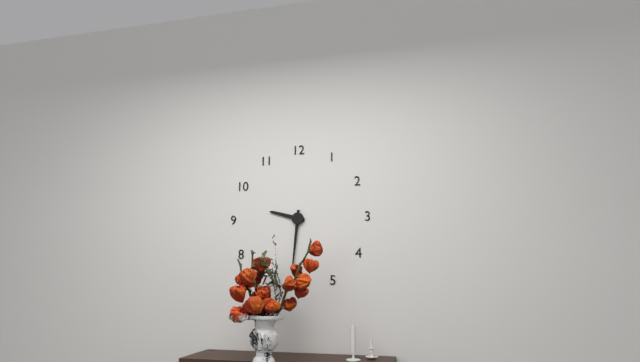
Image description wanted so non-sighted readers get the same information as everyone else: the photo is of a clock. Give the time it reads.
9:31
